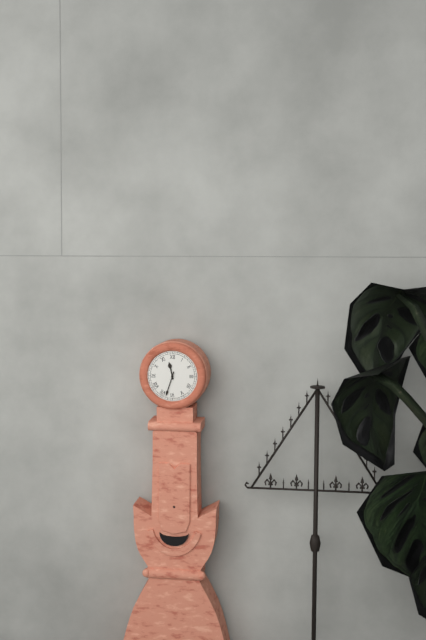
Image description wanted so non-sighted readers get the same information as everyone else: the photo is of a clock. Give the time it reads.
11:33
